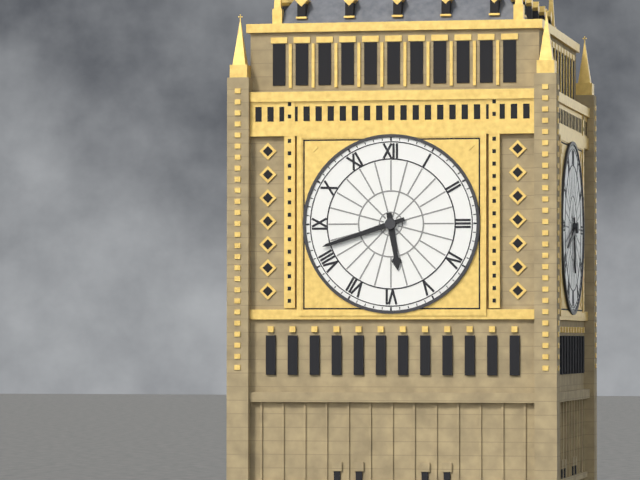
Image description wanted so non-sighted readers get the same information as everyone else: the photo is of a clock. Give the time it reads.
5:42
